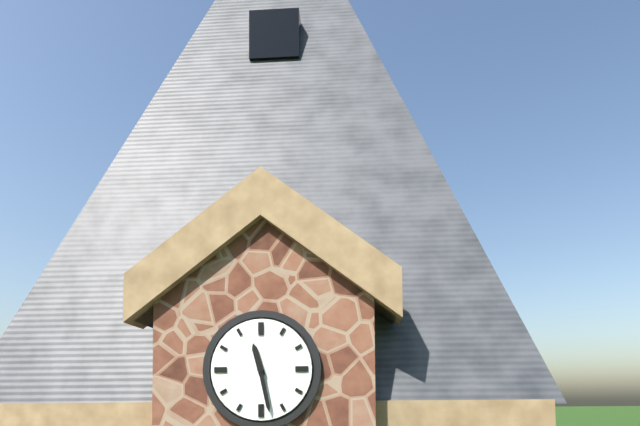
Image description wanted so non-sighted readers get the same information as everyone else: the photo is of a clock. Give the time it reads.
11:28
